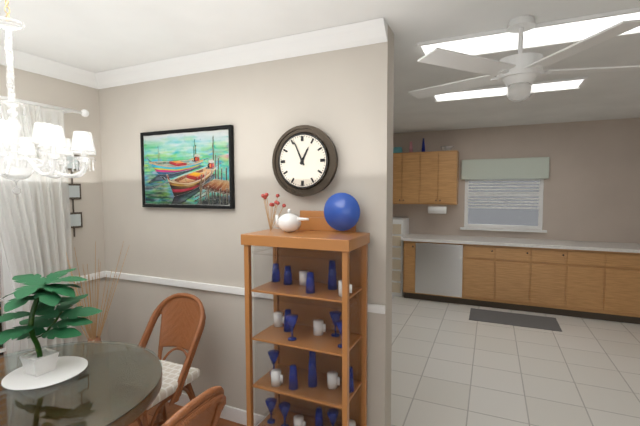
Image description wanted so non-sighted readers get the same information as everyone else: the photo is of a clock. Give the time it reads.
12:56
